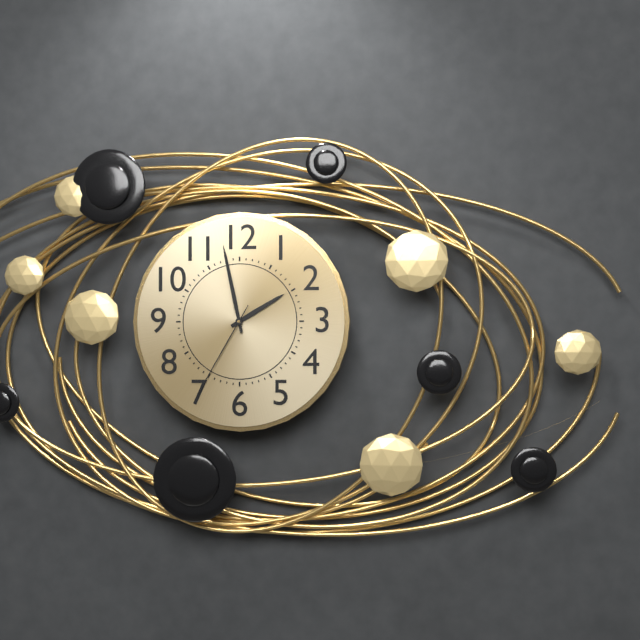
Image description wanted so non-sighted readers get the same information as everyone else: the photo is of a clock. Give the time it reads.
1:58:35
